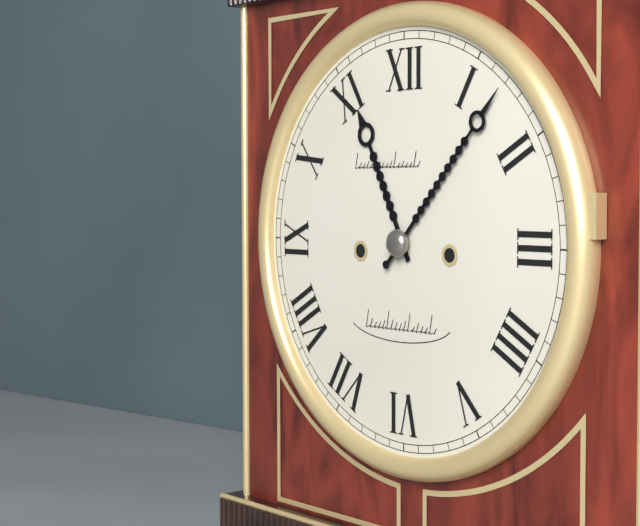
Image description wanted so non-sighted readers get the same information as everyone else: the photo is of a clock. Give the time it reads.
11:07
